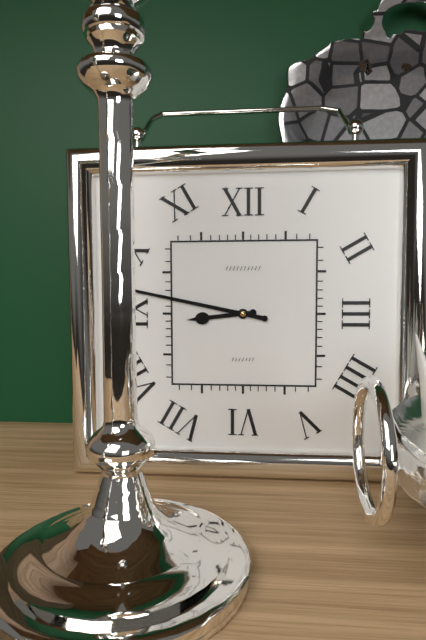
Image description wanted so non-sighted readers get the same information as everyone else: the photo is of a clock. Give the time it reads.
8:47
